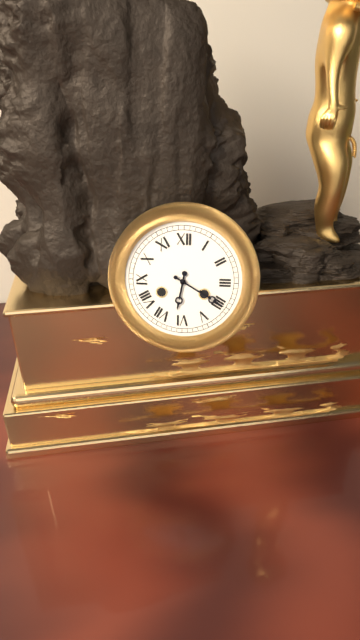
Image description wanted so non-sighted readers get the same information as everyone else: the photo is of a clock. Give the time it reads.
6:20
